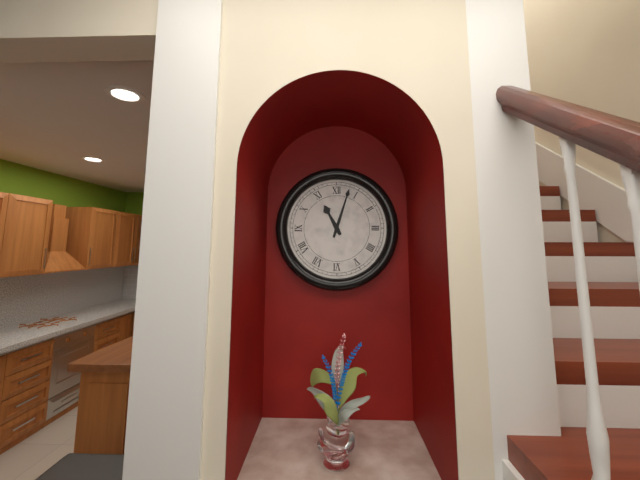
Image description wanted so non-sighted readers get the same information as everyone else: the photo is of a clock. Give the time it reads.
11:03
